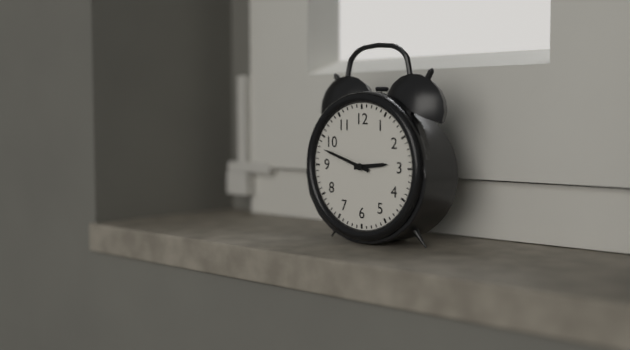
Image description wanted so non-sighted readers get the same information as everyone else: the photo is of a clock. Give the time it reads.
2:48
